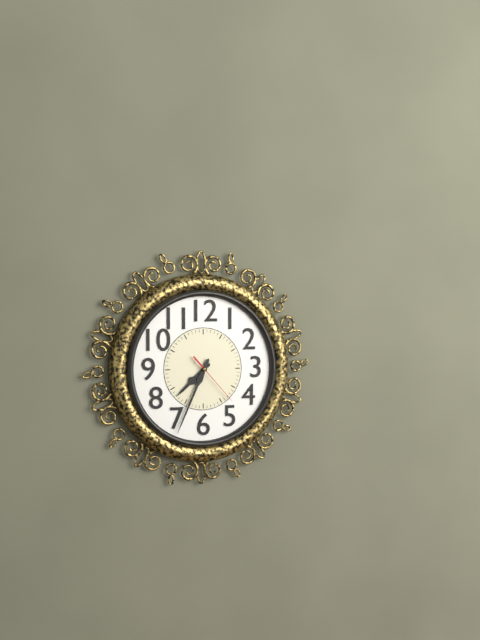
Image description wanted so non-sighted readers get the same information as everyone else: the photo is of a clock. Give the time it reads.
7:34:23
